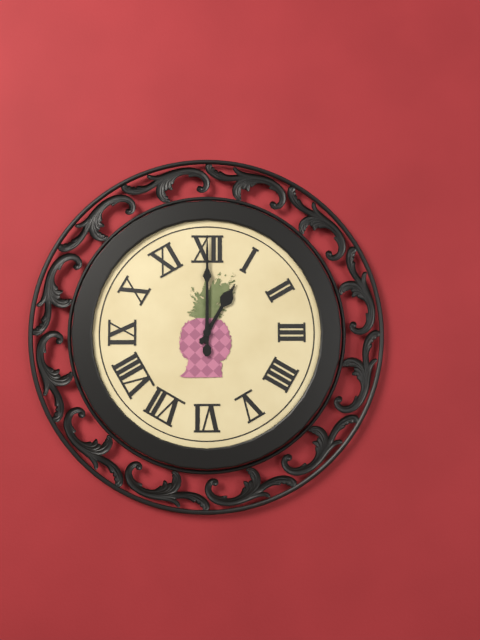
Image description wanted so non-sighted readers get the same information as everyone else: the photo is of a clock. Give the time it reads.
1:00
